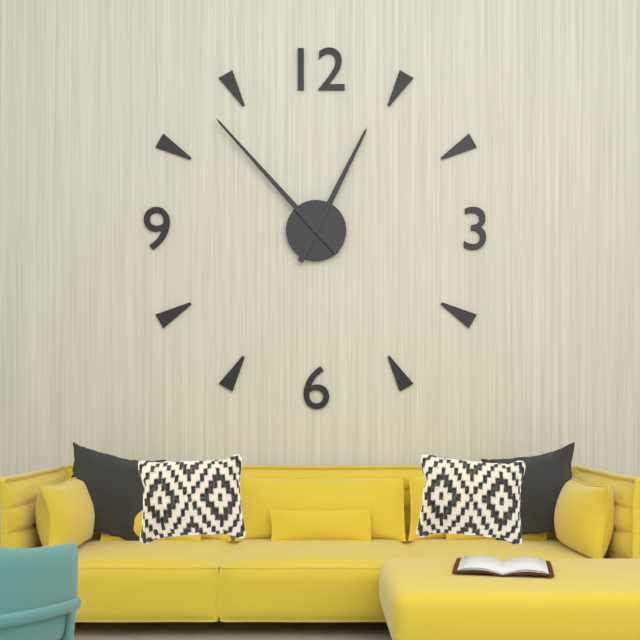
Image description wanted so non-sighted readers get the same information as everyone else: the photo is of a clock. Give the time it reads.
12:53
